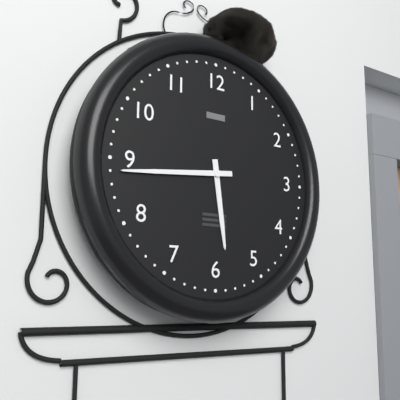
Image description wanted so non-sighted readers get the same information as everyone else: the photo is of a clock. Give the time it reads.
5:44
